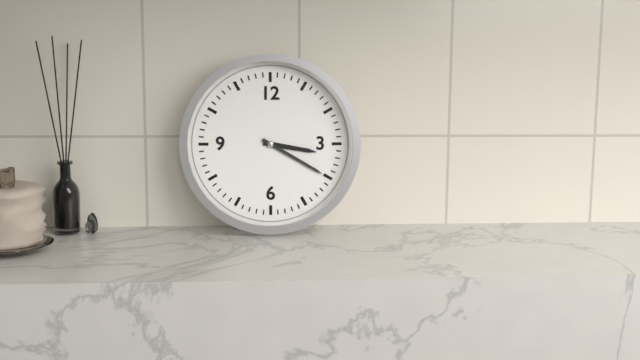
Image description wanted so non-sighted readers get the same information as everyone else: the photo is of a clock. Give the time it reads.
3:20
